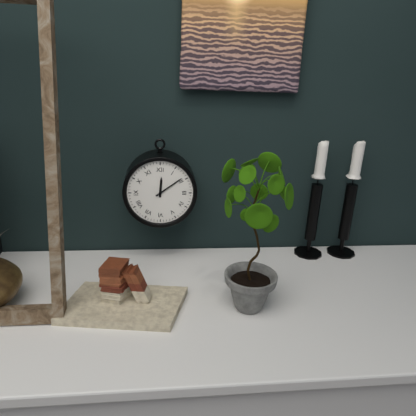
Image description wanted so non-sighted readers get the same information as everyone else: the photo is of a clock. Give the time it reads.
12:09
